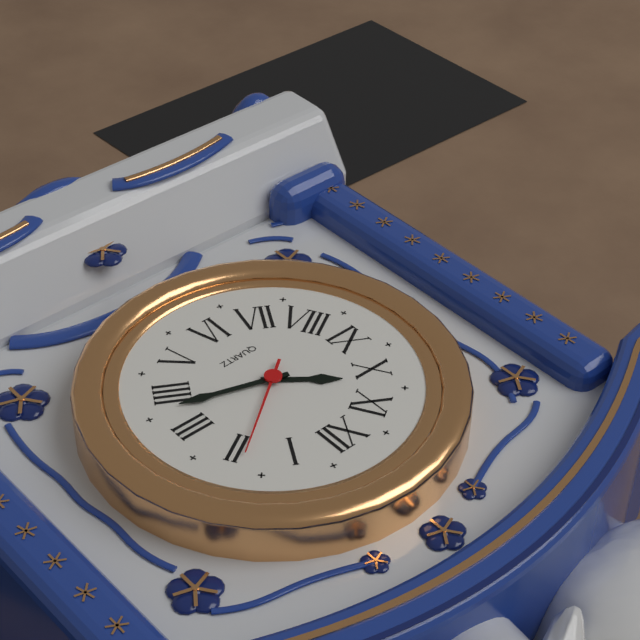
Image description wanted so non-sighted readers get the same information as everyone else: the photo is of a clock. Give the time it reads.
10:18:09
